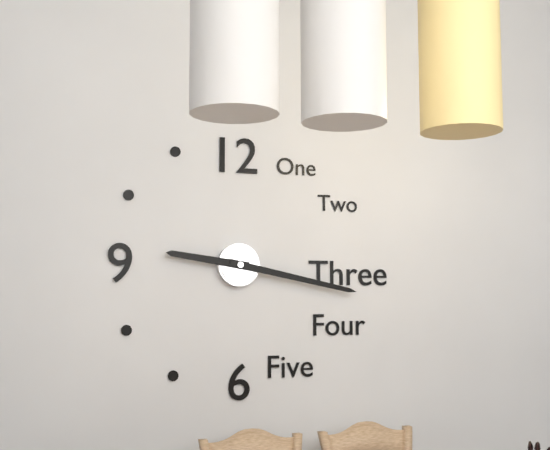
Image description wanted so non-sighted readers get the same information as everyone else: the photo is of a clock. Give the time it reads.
9:17
